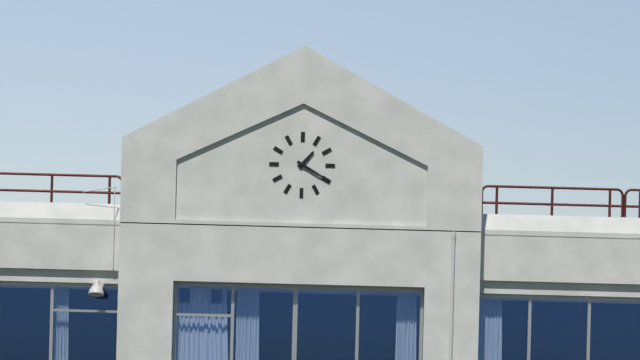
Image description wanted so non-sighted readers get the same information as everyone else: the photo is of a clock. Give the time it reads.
1:20
